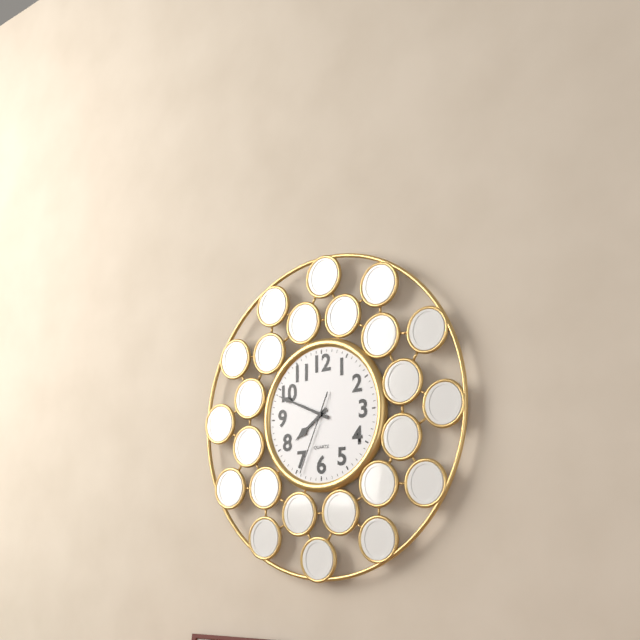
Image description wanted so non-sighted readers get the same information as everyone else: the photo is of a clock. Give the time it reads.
7:49:34
